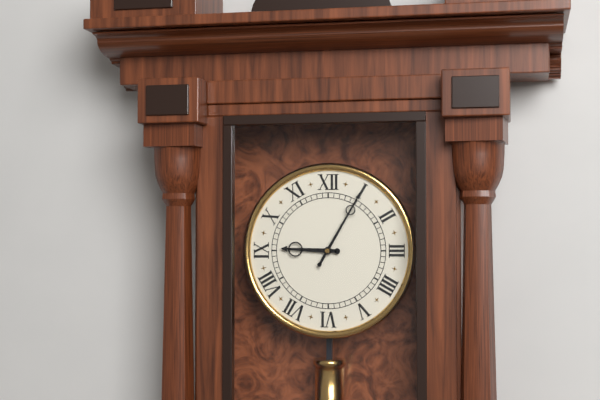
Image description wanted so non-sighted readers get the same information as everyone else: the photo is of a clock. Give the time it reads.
9:05
